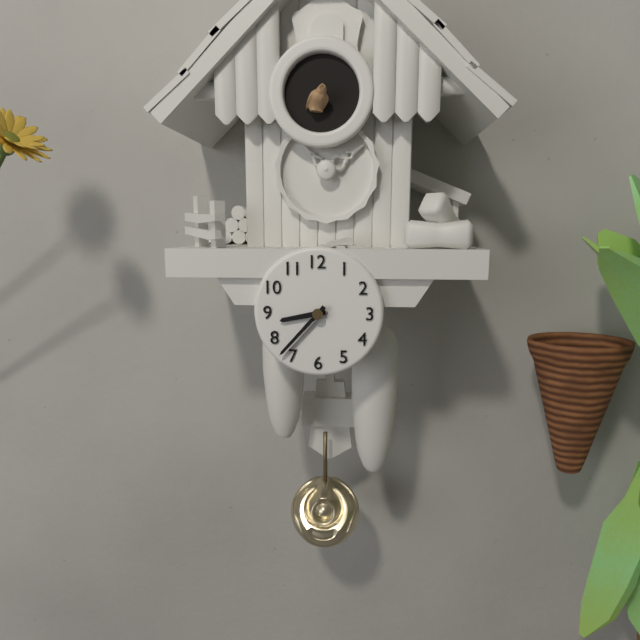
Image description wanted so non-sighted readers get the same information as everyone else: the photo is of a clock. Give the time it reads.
8:37
